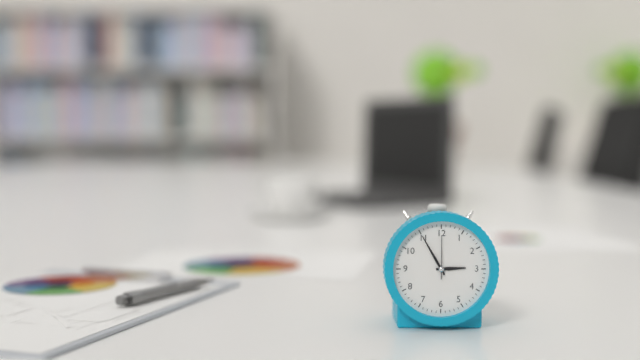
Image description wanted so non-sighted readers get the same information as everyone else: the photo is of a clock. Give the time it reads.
2:55
